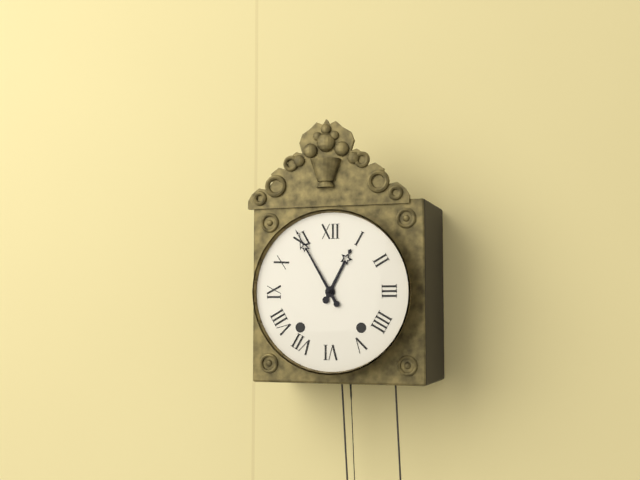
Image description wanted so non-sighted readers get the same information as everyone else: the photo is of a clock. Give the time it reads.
12:55
